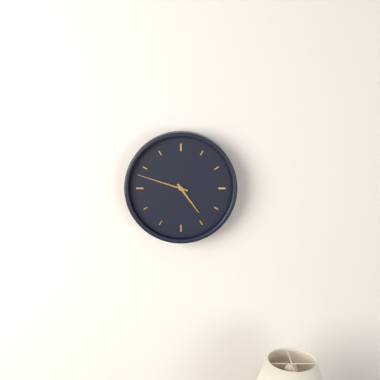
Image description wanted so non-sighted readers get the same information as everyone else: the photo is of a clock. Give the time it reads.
4:48
